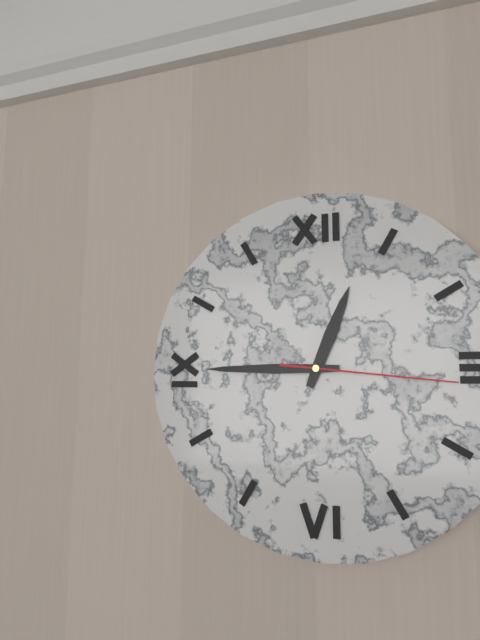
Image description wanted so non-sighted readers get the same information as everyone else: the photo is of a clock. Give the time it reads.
12:45:16
